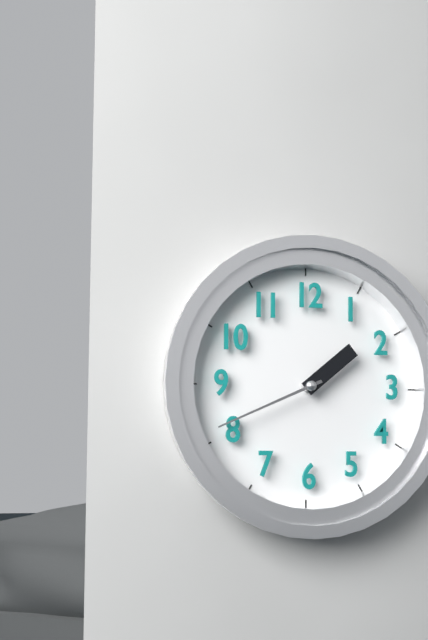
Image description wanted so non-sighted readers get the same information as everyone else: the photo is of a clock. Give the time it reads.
1:41
